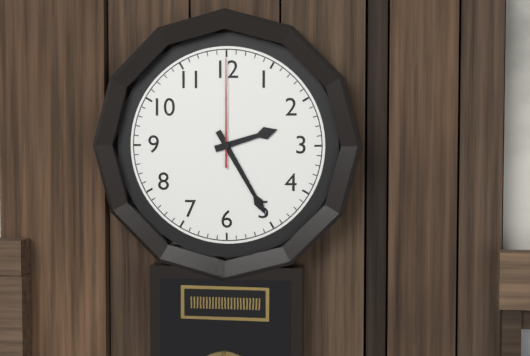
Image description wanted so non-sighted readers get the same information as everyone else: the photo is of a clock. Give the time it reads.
2:25:00
